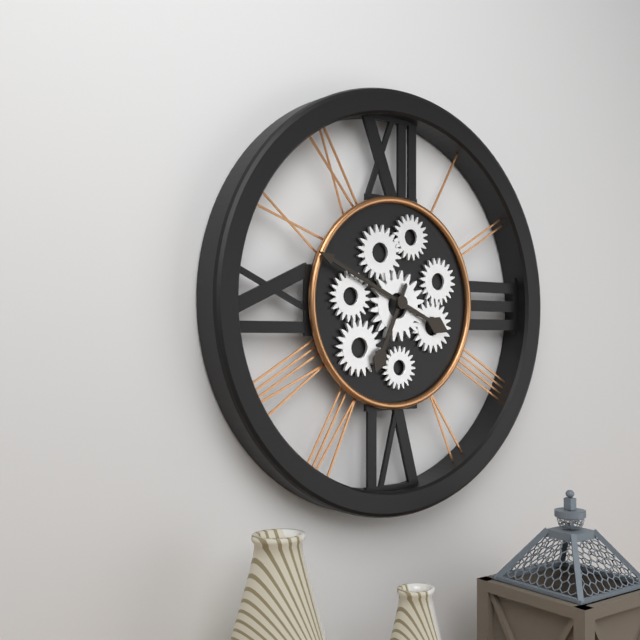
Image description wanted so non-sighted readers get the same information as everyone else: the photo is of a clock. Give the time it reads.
6:49
